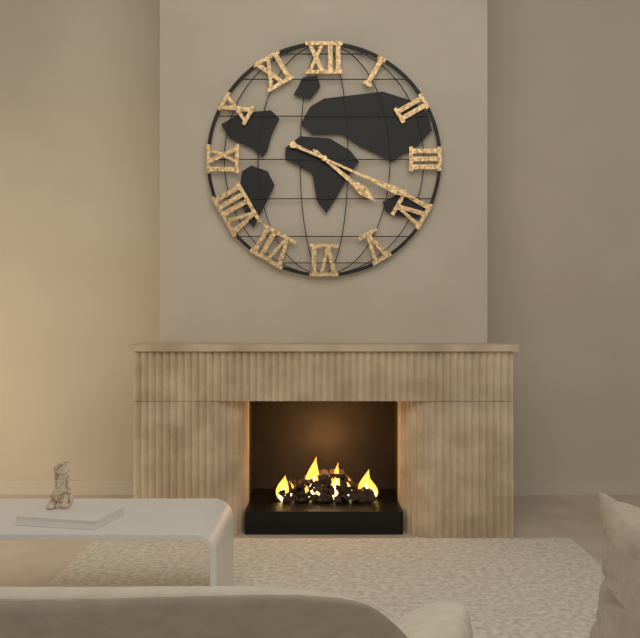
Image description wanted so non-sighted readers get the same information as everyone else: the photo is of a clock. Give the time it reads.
4:19
